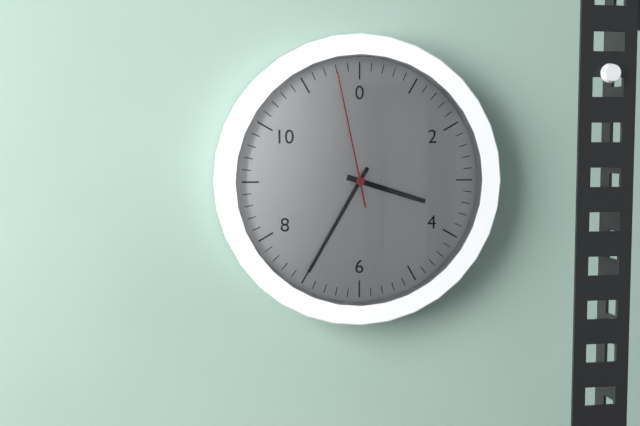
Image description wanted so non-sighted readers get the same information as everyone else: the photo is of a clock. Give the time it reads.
3:35:58
